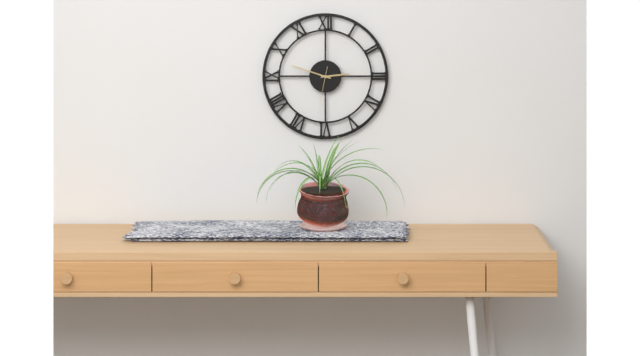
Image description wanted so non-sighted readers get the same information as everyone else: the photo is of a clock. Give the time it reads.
2:48
